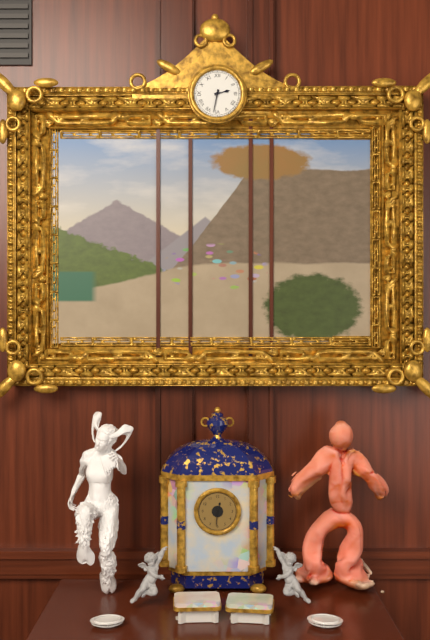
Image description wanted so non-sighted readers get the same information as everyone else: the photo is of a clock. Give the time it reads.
2:32
